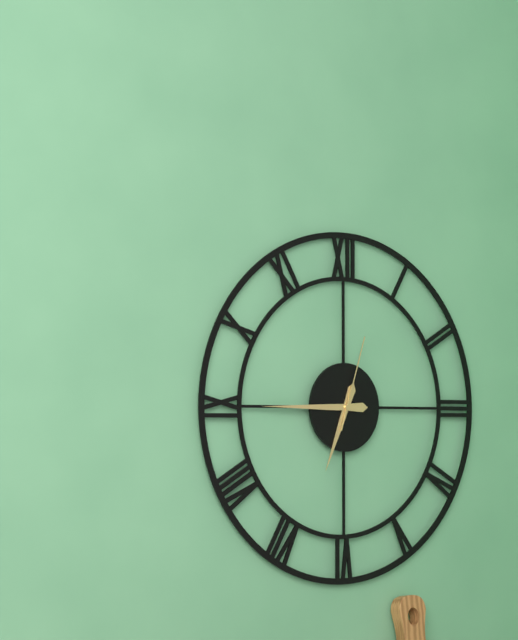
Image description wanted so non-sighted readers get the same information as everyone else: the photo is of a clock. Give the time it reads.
6:45:03
